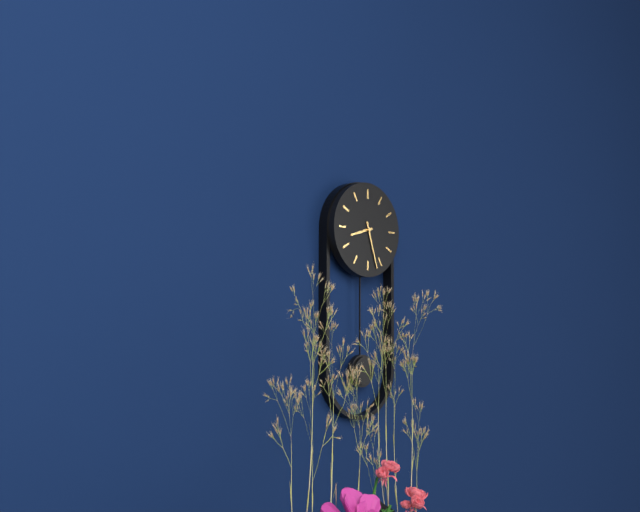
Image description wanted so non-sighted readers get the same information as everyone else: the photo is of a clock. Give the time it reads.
8:27
